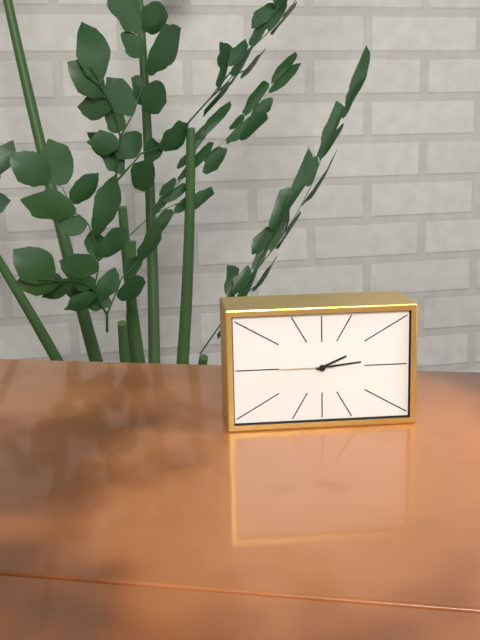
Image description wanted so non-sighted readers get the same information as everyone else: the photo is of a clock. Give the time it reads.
2:14:45
